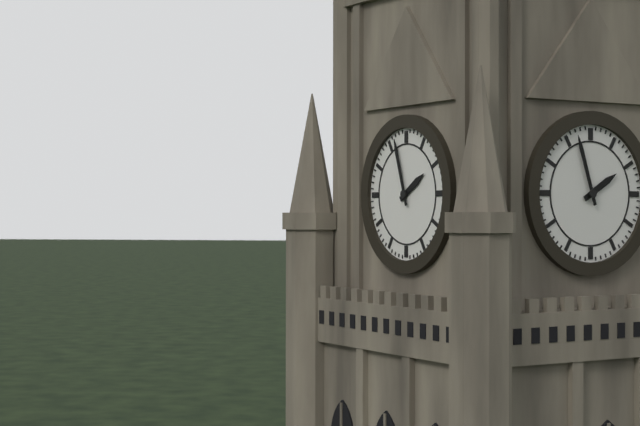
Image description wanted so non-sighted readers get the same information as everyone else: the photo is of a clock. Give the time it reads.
1:57
